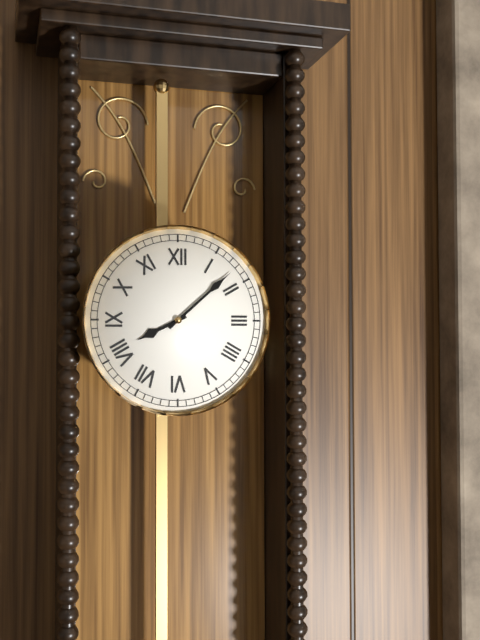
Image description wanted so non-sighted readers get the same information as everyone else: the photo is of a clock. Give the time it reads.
8:08
